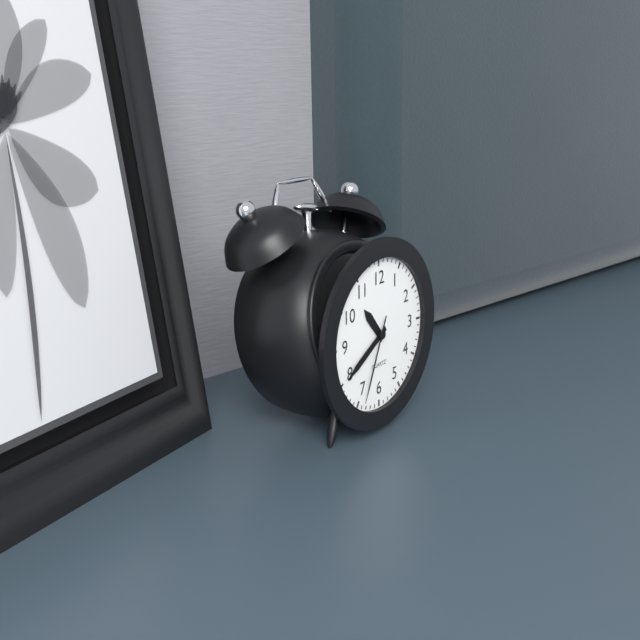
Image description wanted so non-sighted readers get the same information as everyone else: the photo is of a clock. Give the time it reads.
10:40:34
